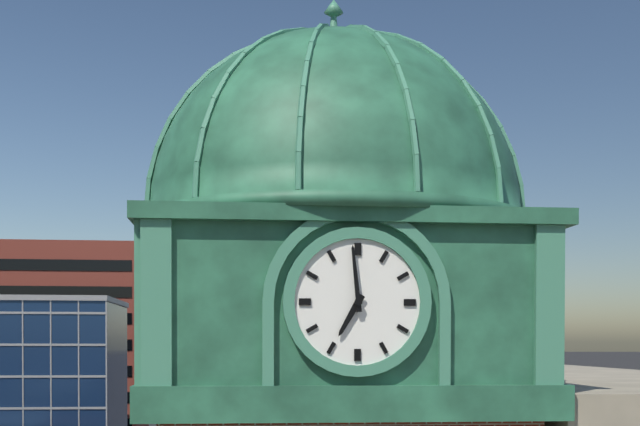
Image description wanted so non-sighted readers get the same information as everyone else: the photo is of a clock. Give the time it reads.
6:59
